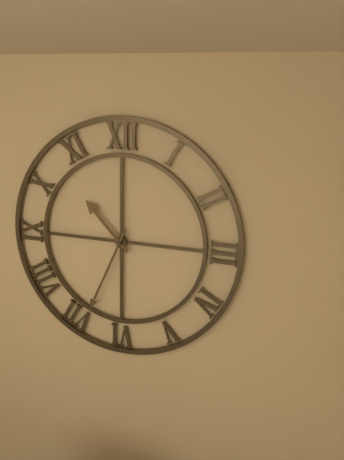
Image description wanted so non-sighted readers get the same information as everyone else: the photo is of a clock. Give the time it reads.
10:34
